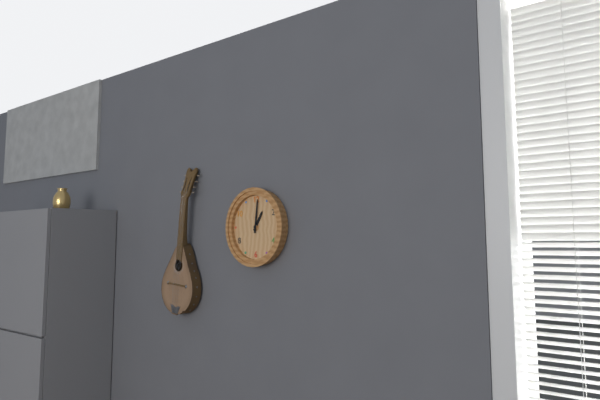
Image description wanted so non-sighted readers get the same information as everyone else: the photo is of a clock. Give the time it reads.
1:01
